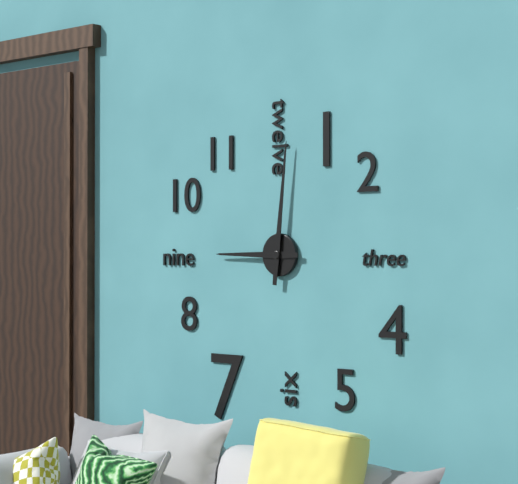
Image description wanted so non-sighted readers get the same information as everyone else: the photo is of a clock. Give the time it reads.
9:01
